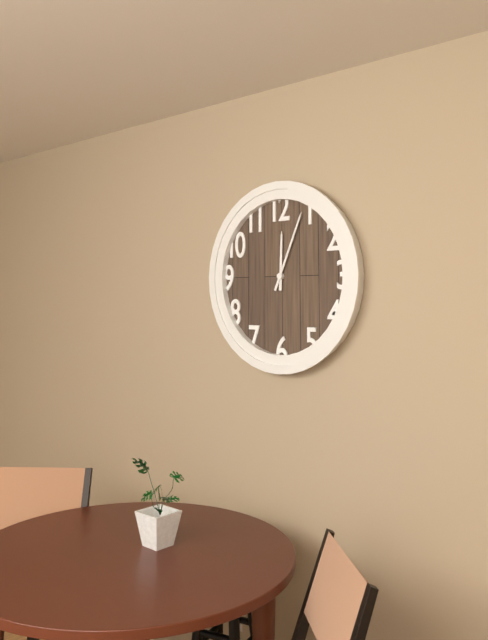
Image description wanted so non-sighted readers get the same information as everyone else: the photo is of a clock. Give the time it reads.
12:04
